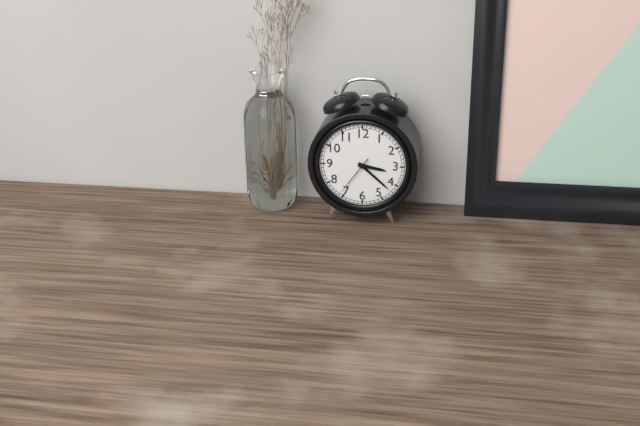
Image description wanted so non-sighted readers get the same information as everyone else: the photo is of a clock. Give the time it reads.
3:22
